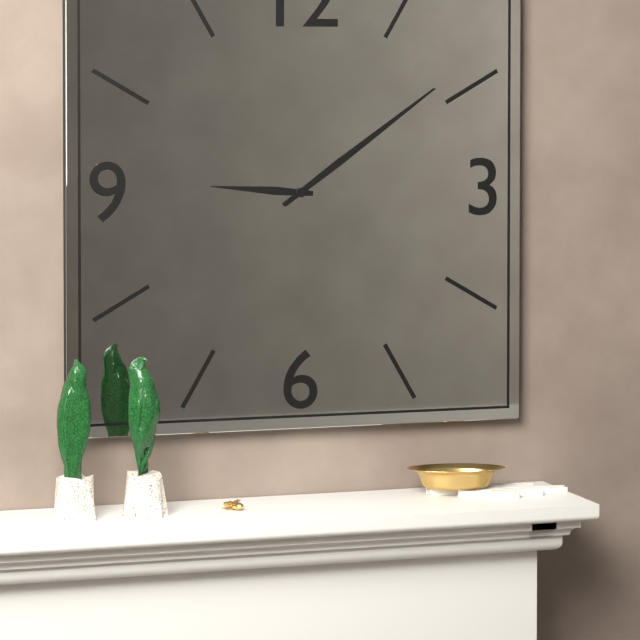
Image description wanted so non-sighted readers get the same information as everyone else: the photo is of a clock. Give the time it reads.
9:09
